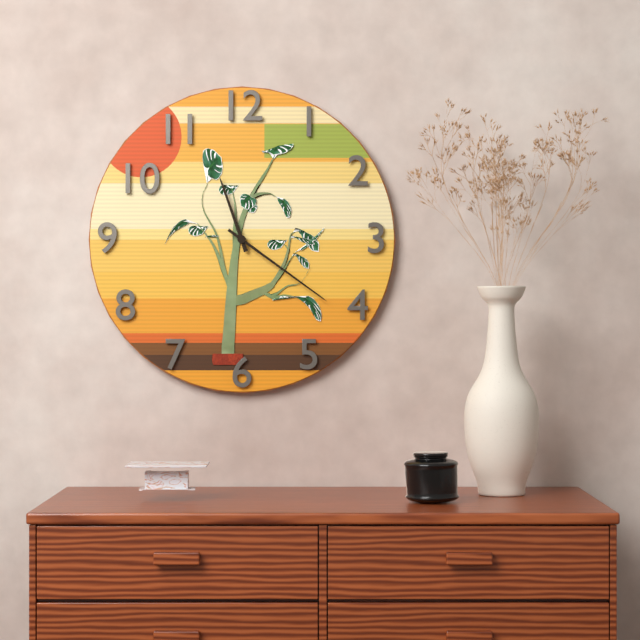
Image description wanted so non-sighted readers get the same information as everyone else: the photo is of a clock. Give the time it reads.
11:21
